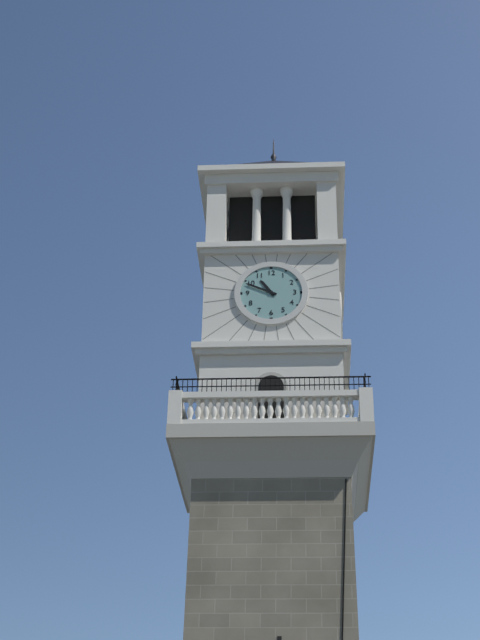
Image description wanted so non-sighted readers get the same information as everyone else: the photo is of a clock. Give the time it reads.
10:49
